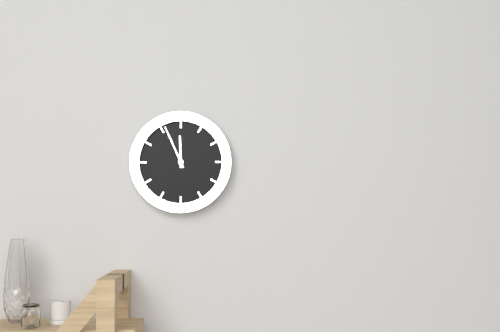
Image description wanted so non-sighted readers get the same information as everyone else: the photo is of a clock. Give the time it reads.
11:56
